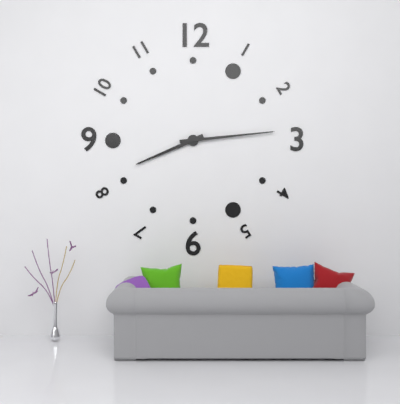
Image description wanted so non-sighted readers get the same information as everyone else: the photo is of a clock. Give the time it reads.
8:14
